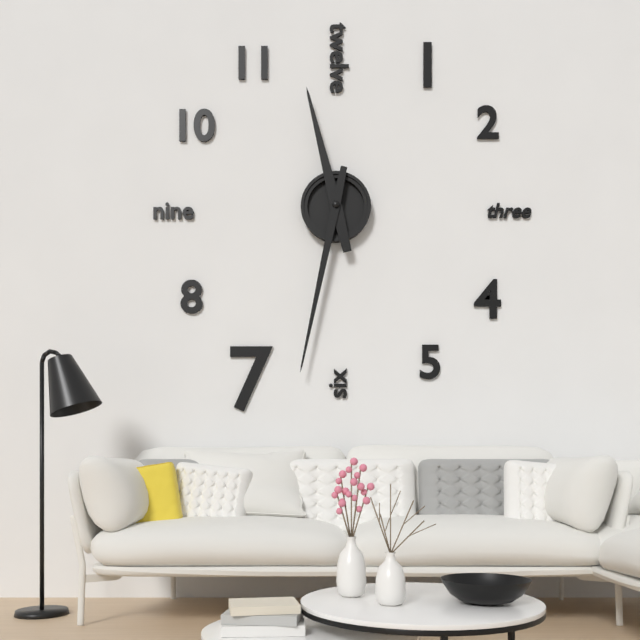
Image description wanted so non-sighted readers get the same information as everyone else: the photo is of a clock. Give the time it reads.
11:32
